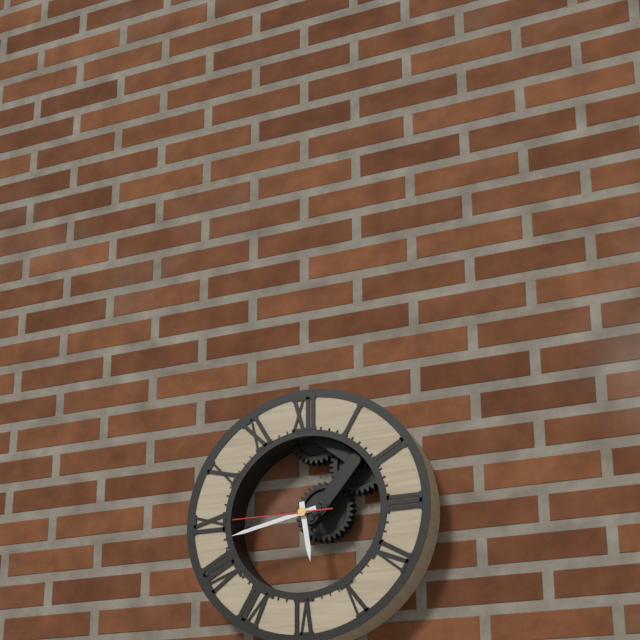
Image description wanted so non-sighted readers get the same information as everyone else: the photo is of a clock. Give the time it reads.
5:43:45
